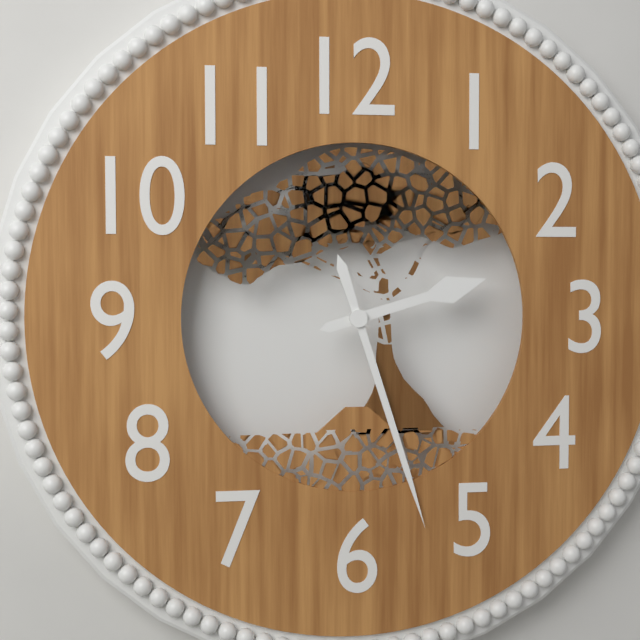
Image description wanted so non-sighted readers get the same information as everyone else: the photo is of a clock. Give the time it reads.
2:27
